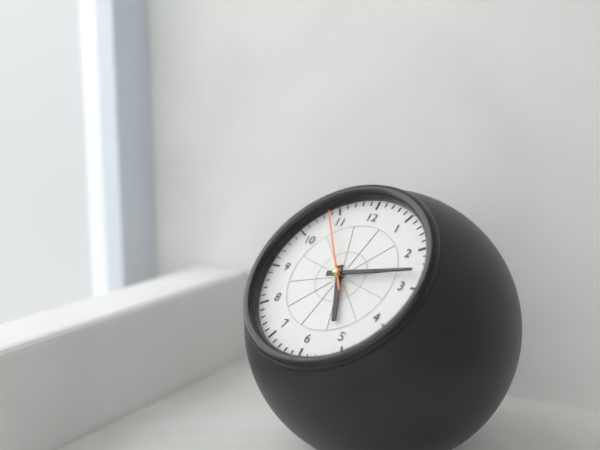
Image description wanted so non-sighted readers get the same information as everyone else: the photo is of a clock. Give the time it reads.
5:13:54
